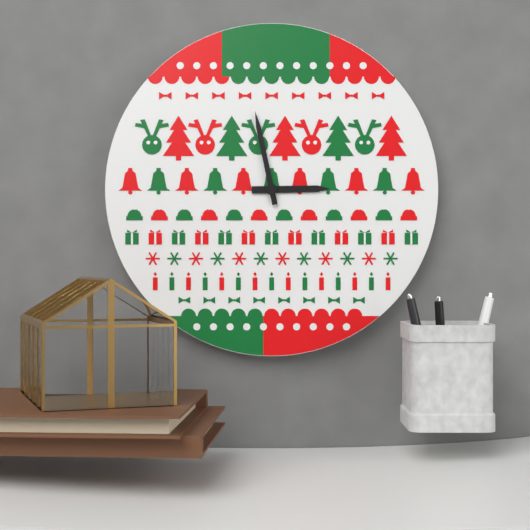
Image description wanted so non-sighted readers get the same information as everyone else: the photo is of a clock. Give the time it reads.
2:58
